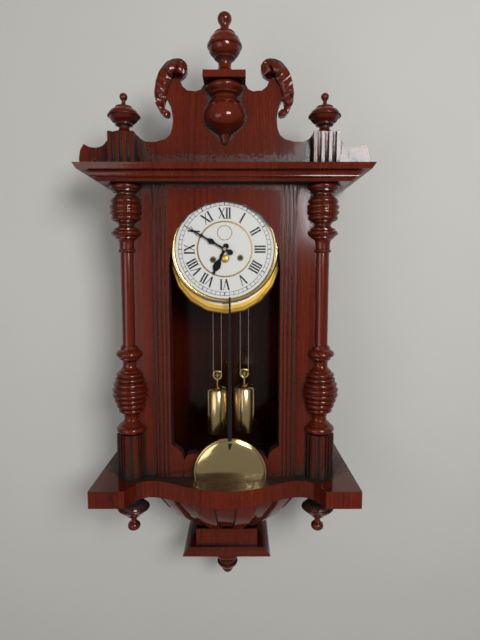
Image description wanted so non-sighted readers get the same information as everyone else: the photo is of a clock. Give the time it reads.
6:50
